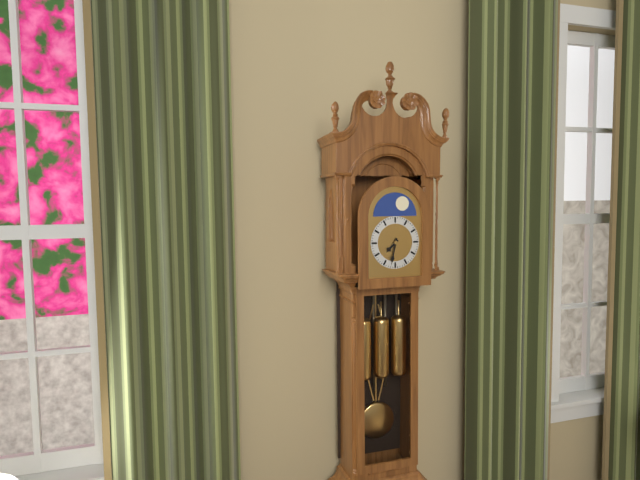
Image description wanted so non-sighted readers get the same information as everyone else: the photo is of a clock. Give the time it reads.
7:32
